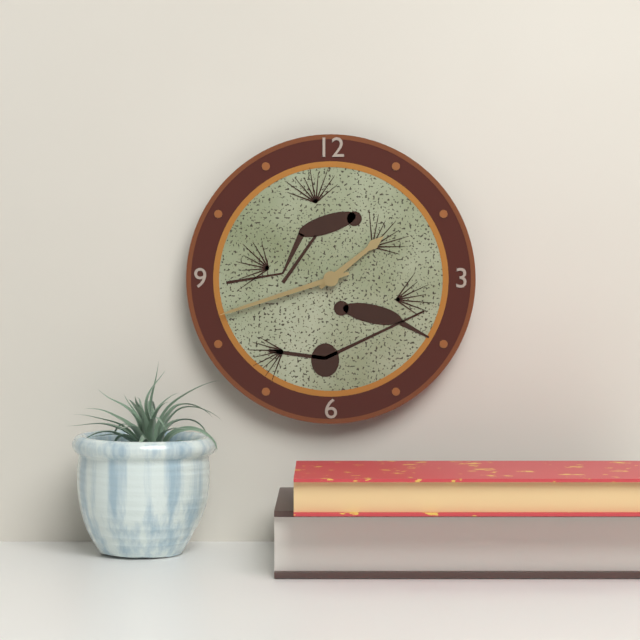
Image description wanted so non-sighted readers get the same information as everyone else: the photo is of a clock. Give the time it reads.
1:42
